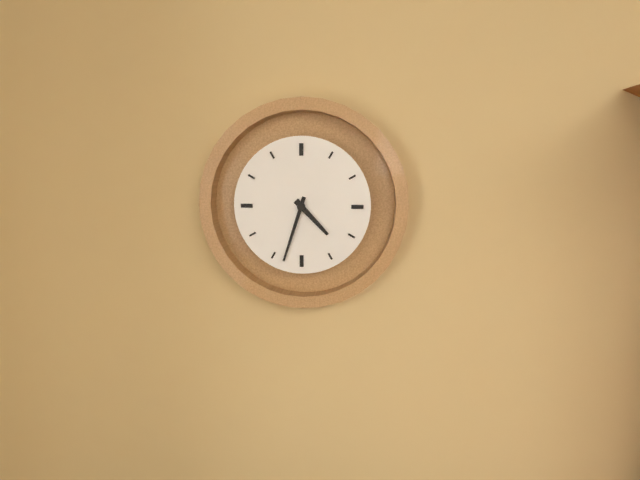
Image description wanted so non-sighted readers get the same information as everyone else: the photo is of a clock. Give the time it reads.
4:33
